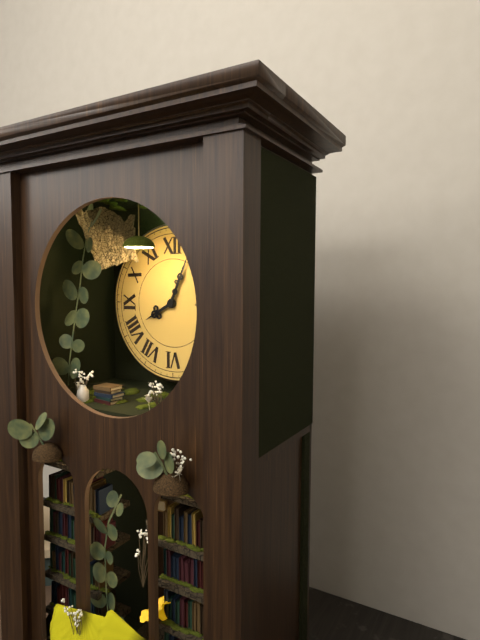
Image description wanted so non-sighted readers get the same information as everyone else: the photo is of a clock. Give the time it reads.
8:04
